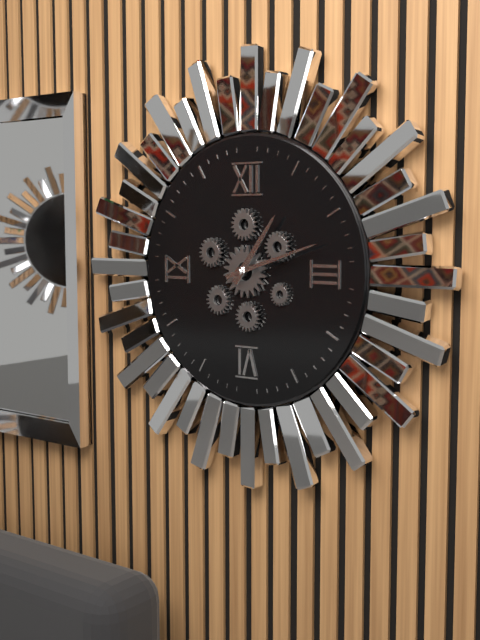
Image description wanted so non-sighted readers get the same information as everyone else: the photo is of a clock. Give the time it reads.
1:12
